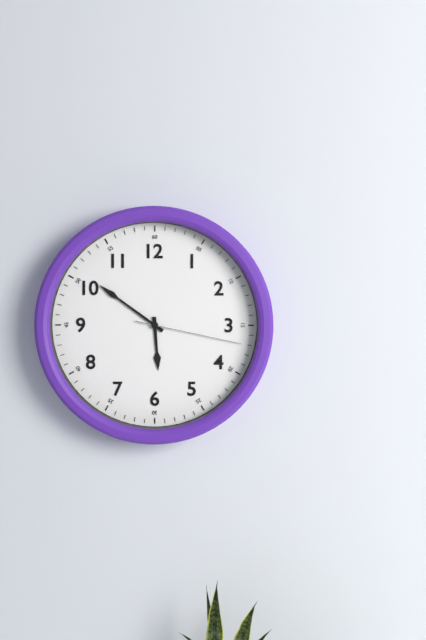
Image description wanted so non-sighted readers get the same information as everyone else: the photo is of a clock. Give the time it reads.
5:51:17
